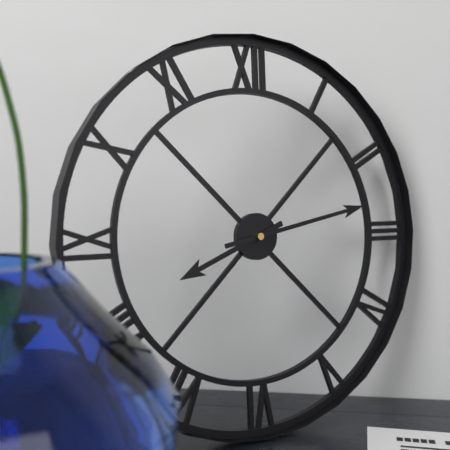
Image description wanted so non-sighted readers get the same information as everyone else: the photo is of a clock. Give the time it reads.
8:13
